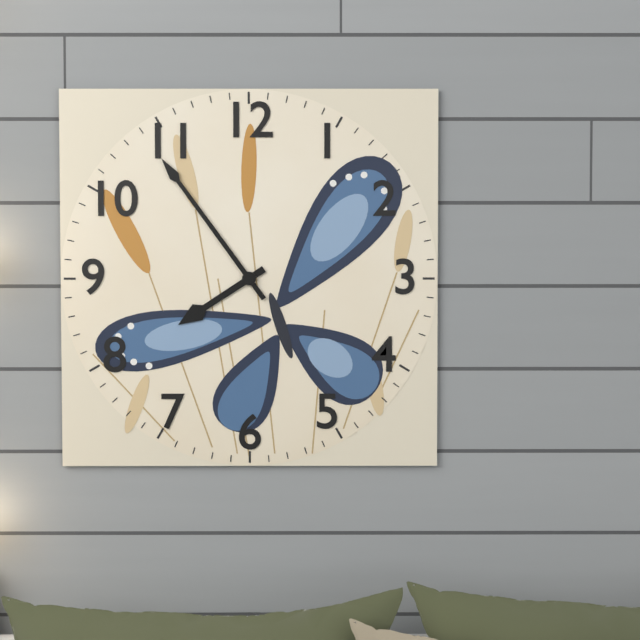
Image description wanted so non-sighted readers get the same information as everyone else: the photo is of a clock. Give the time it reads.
7:54
